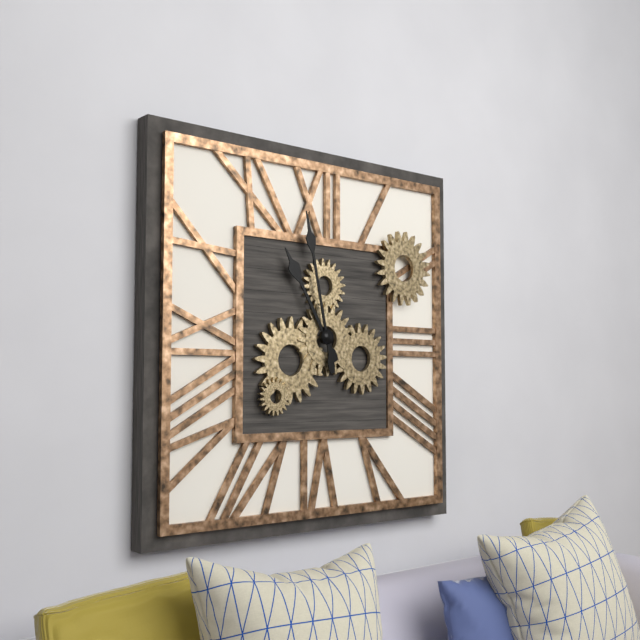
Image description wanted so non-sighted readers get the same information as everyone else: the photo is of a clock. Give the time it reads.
10:58
